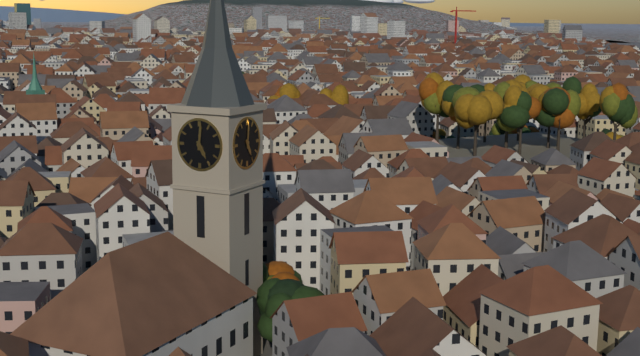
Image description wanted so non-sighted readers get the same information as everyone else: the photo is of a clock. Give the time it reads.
5:01
